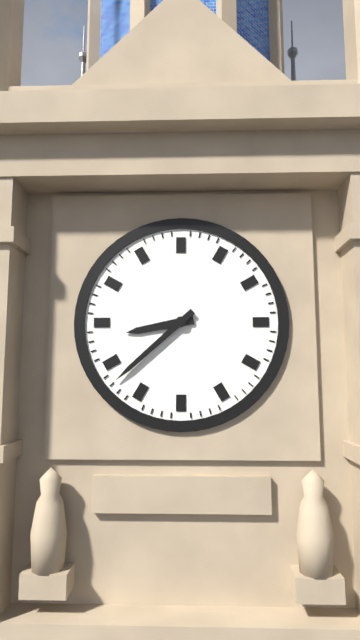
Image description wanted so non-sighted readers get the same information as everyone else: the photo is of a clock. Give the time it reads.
8:38
